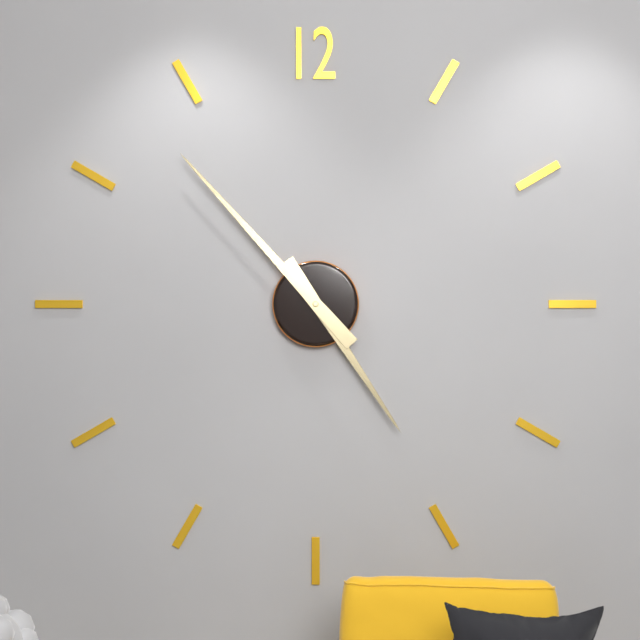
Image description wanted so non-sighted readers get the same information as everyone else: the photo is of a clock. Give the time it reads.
4:53
